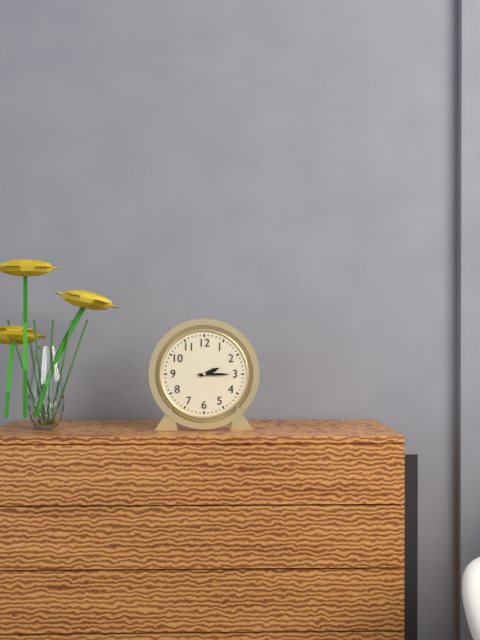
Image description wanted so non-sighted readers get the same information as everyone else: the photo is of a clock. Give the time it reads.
2:15
